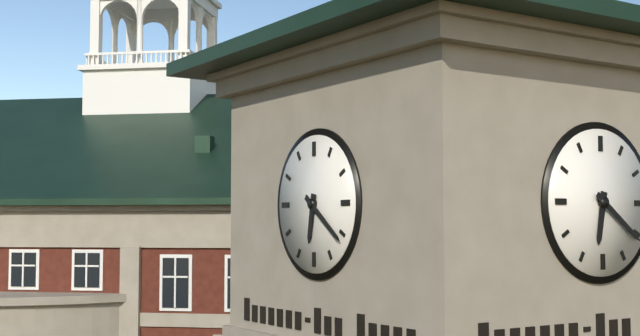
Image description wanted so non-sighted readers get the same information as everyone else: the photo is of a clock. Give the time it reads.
6:21
